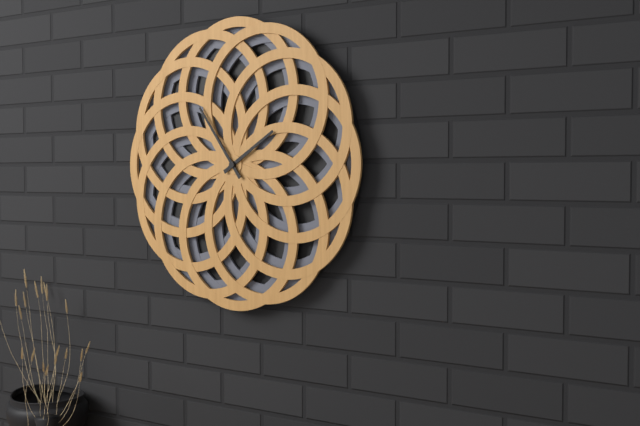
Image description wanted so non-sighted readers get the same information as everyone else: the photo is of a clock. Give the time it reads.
1:54
